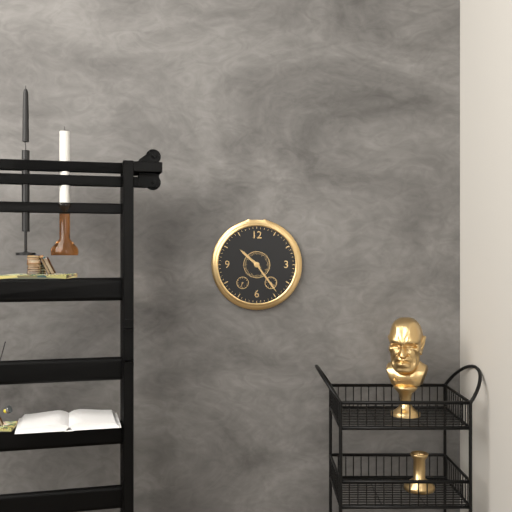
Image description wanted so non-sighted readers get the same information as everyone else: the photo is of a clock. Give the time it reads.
10:24
